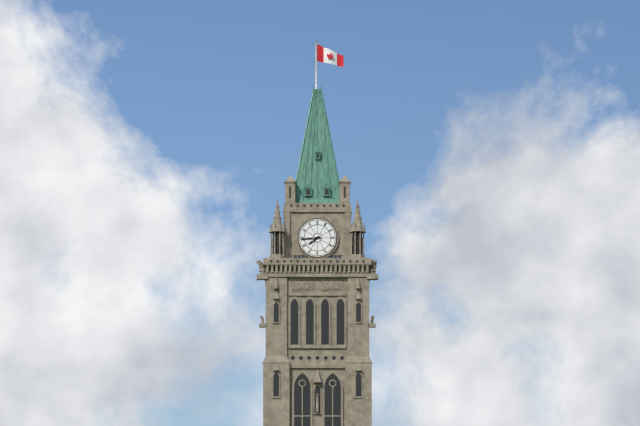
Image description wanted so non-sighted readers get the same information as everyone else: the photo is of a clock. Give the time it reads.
7:44
